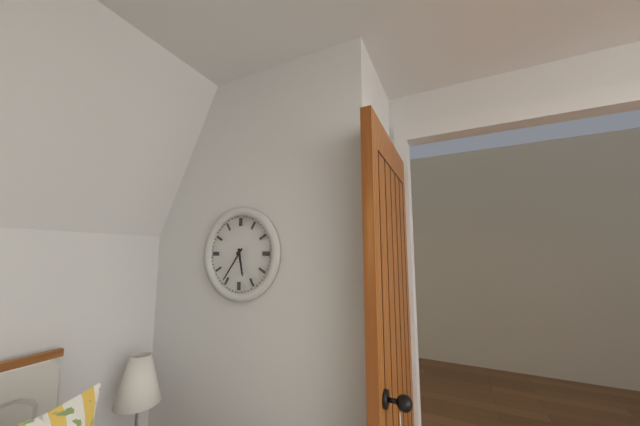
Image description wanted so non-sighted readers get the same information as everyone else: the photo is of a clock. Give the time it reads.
5:36
